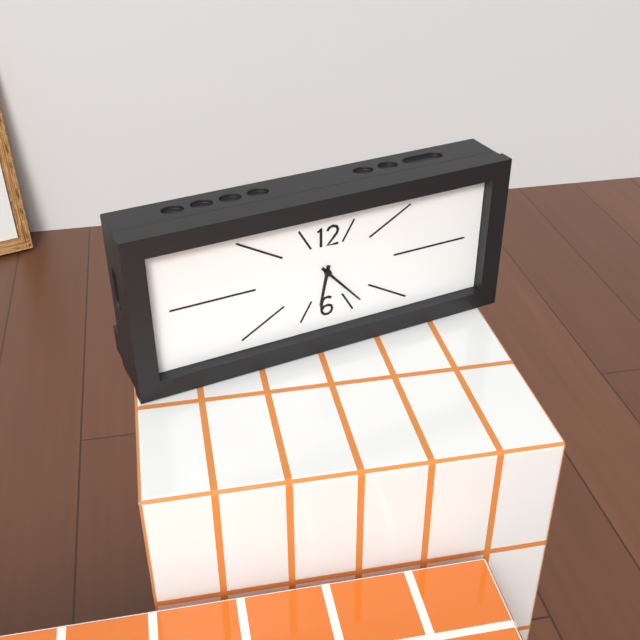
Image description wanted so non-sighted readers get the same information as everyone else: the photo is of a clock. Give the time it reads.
6:23
